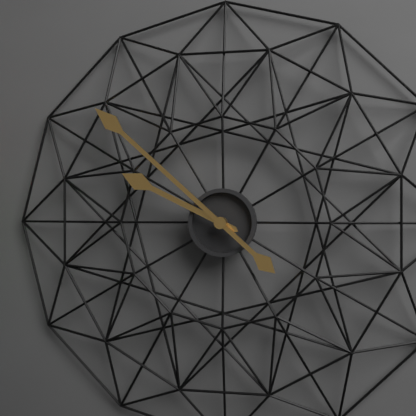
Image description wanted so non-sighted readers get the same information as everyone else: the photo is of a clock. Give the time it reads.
9:52
